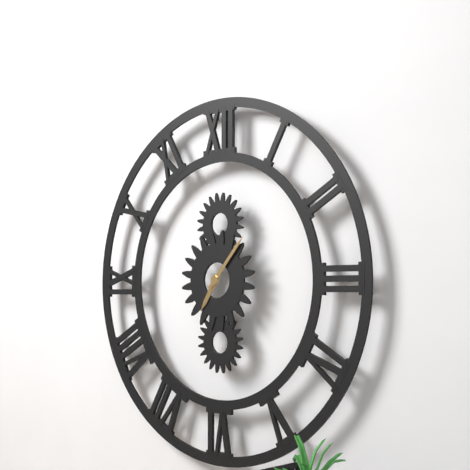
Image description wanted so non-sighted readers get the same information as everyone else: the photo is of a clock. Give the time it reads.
7:07
